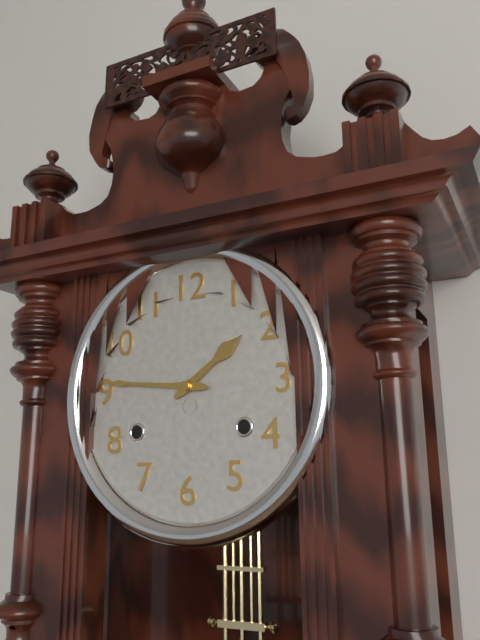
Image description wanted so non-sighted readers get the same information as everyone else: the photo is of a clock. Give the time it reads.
1:46
